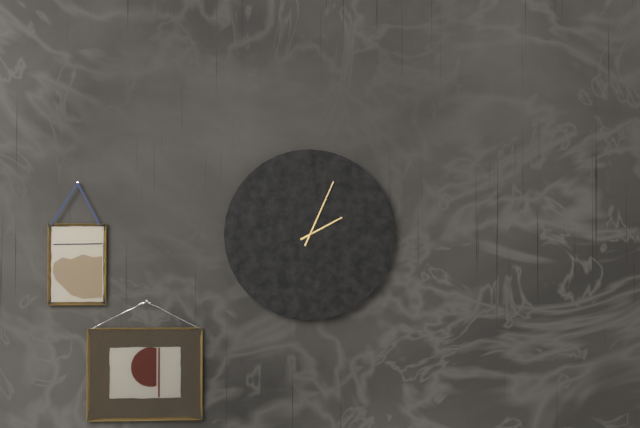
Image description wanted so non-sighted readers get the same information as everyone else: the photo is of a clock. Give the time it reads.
2:04
